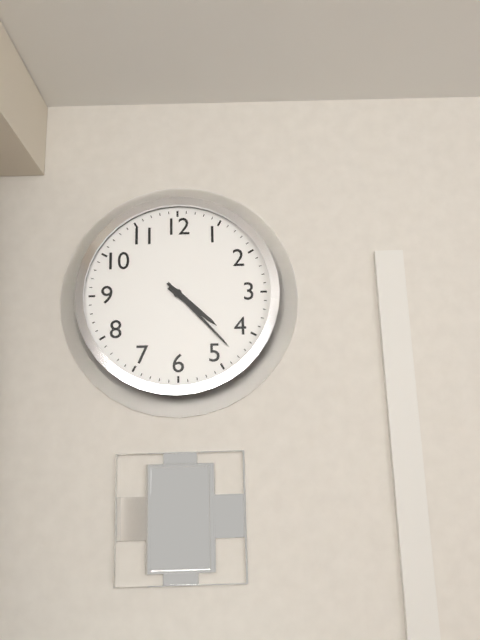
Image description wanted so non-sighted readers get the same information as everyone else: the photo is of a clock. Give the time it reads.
4:23
